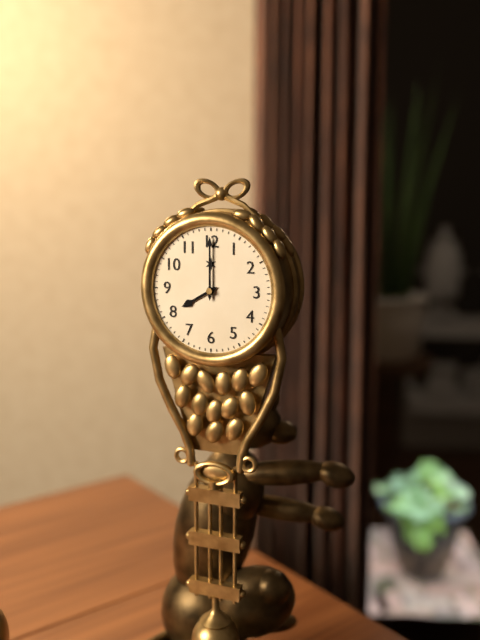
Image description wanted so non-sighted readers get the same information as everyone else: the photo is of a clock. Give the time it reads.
8:00
